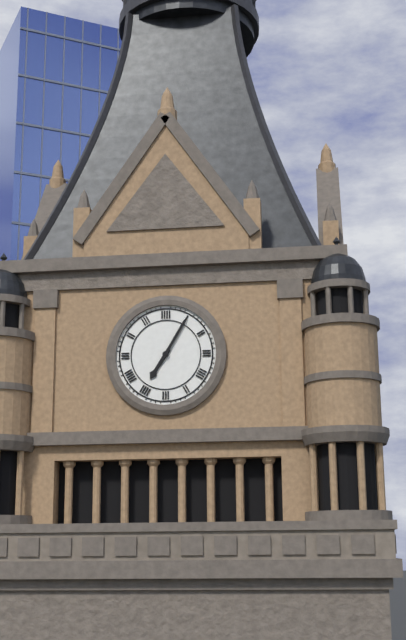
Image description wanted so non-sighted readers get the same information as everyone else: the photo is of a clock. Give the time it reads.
7:05
